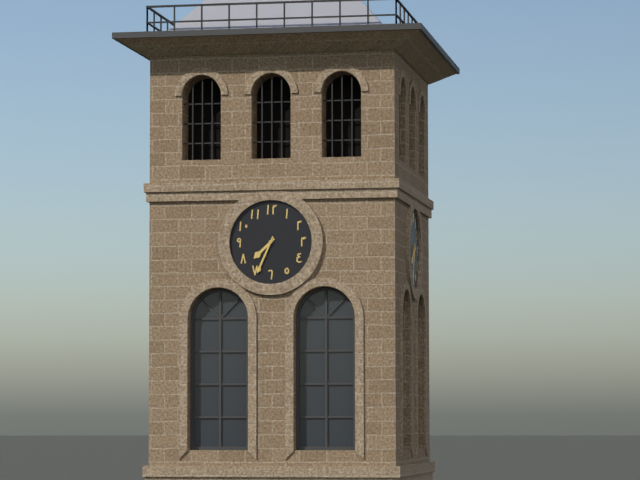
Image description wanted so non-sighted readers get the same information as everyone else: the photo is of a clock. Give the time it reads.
7:34
